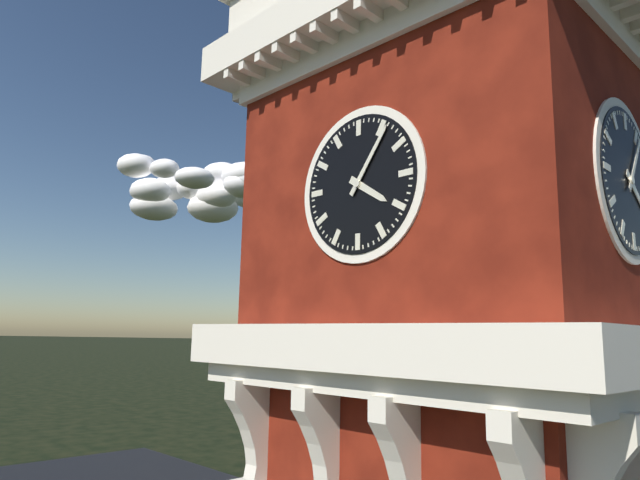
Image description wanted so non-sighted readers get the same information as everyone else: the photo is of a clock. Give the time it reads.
4:06
